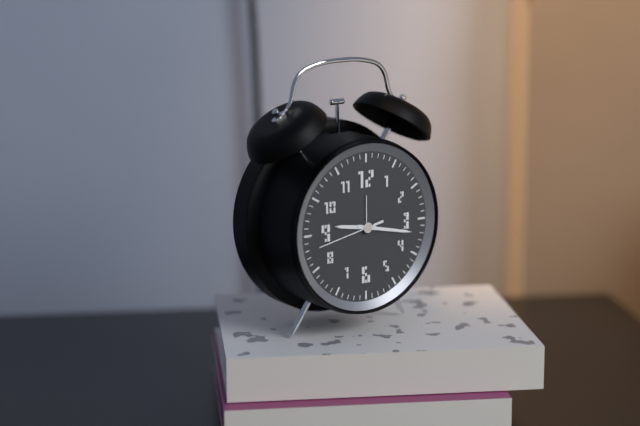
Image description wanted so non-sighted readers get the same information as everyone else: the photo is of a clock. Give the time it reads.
9:17:43
